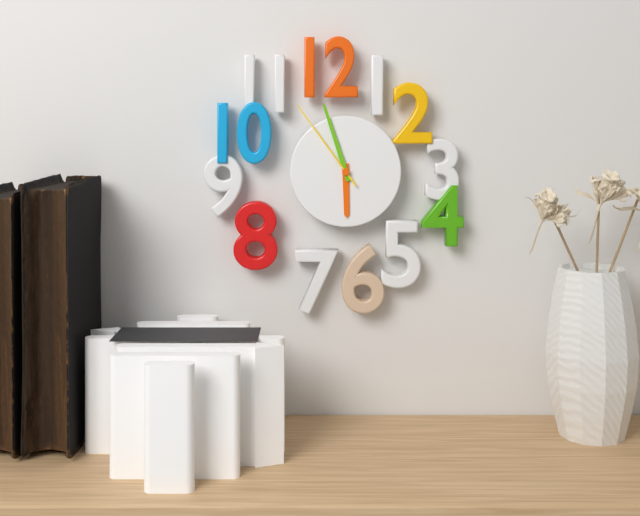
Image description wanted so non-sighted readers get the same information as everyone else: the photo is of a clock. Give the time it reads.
5:57:54
